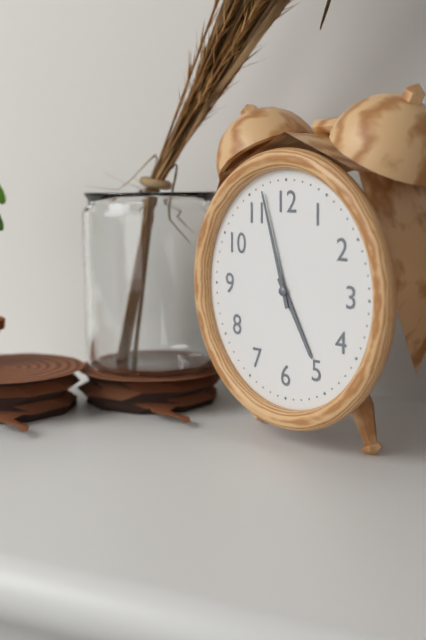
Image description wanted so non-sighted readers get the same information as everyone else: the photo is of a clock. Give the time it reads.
4:57
